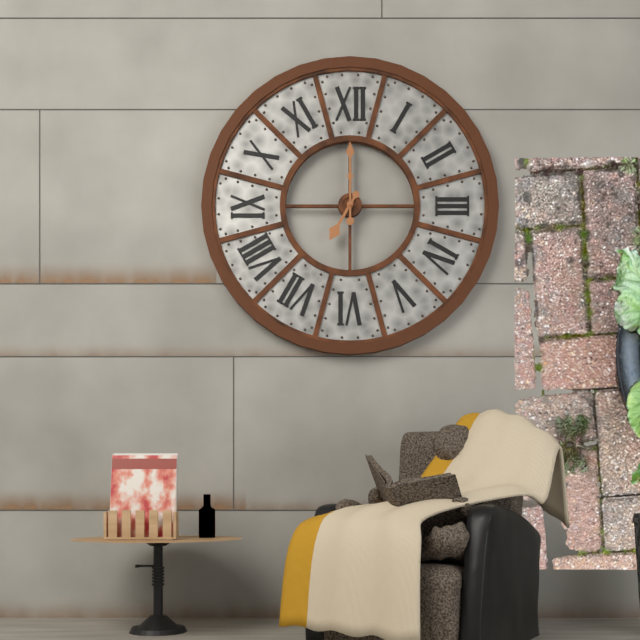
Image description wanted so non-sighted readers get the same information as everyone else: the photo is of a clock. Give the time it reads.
7:00
